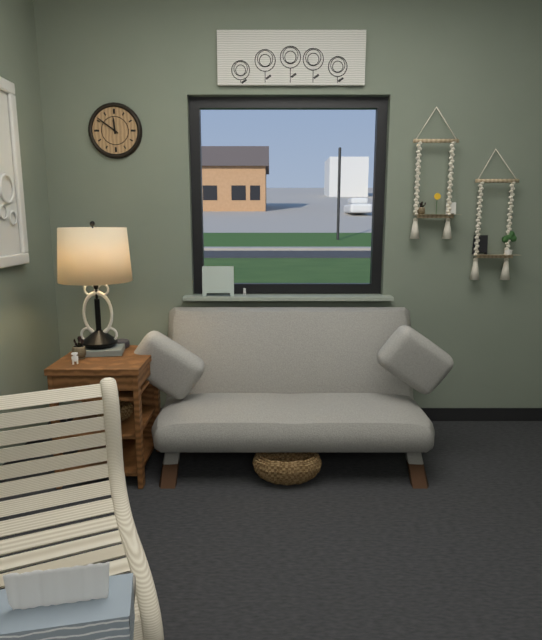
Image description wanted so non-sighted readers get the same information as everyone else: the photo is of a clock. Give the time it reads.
11:51
